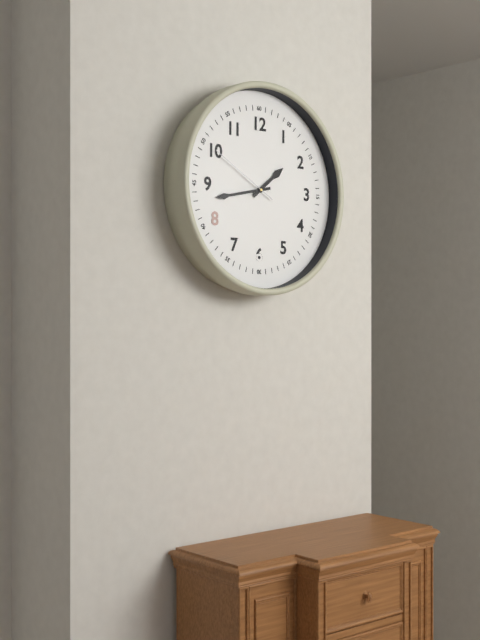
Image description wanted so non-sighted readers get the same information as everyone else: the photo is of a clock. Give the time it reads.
1:43:50
